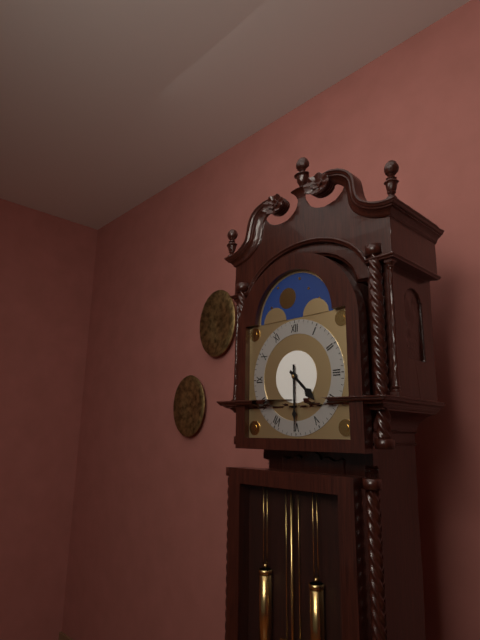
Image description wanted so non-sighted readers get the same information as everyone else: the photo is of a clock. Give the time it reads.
4:30
